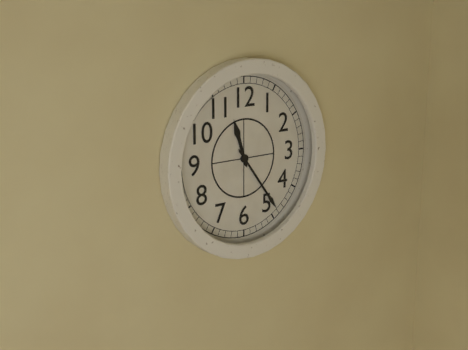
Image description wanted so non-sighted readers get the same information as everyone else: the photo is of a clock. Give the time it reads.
11:24
